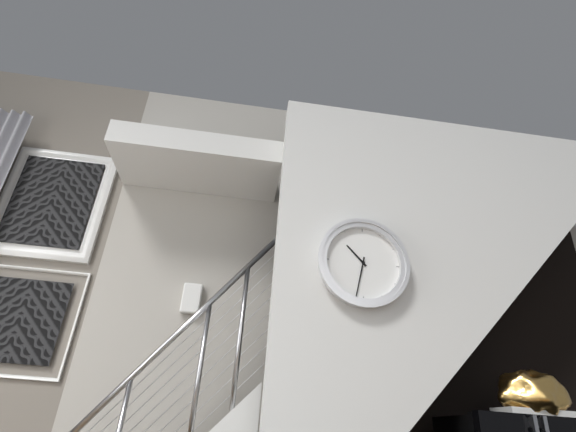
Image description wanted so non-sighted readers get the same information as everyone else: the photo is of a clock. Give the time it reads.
10:32
